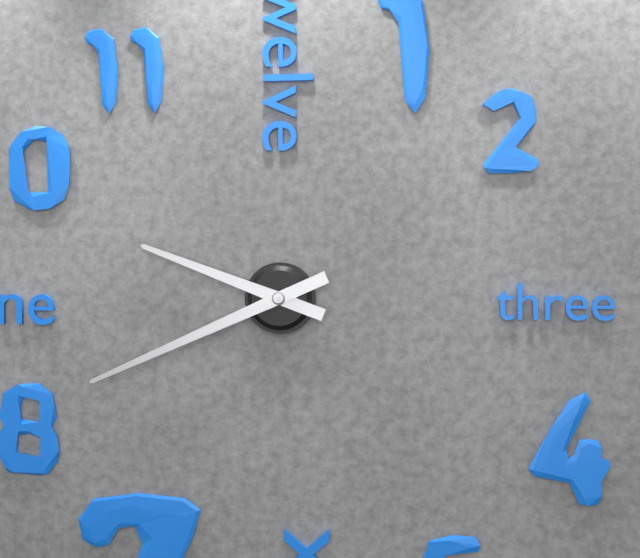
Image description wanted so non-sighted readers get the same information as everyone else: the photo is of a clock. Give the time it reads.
9:41
